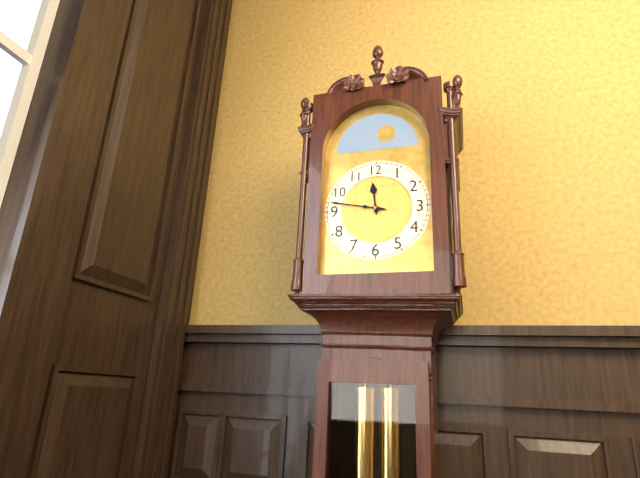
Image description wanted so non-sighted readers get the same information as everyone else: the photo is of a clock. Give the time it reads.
11:47
